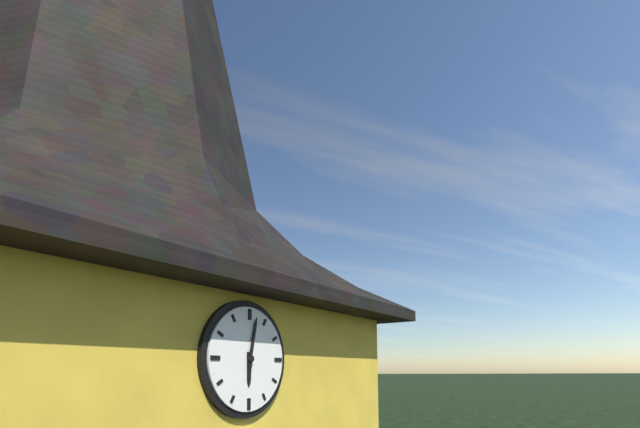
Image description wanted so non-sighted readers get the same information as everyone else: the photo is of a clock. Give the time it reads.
6:02
